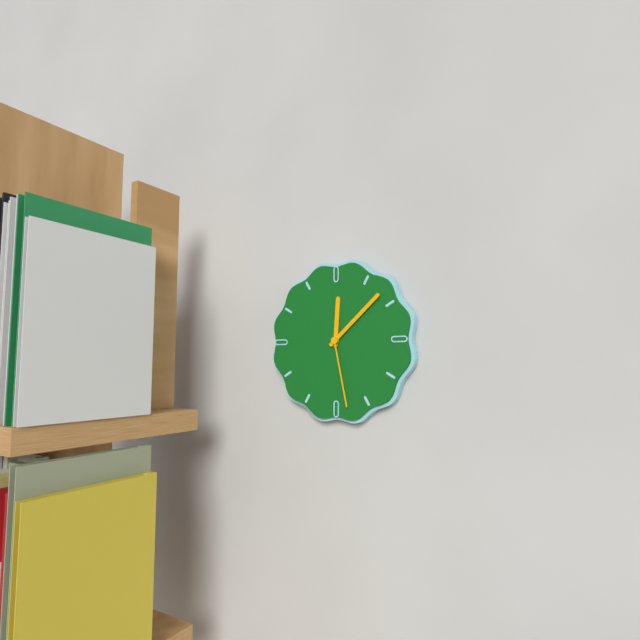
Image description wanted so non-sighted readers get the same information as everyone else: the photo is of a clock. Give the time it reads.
12:08:28
